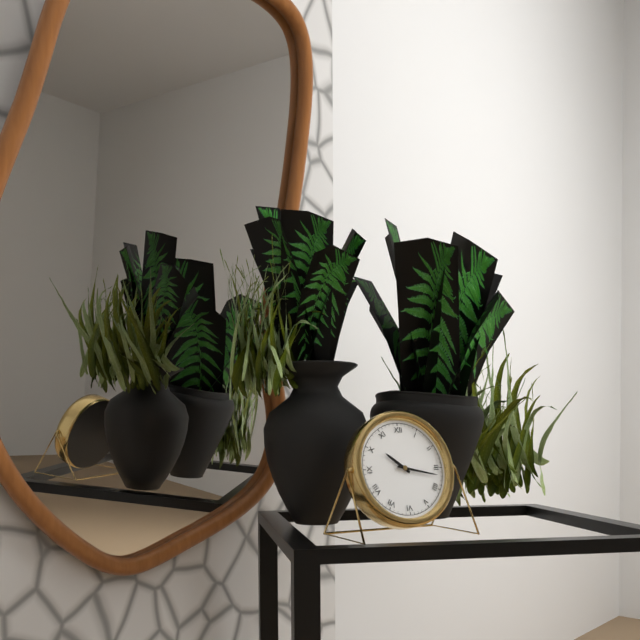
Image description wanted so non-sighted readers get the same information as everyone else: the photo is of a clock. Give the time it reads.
10:17
